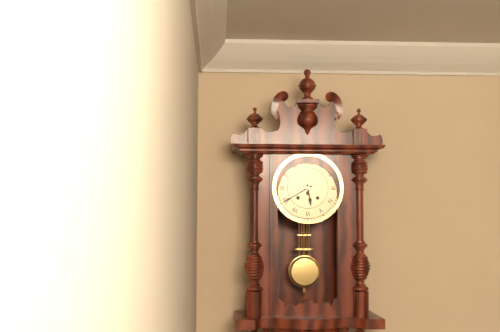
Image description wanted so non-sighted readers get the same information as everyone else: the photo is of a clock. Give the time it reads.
5:40
